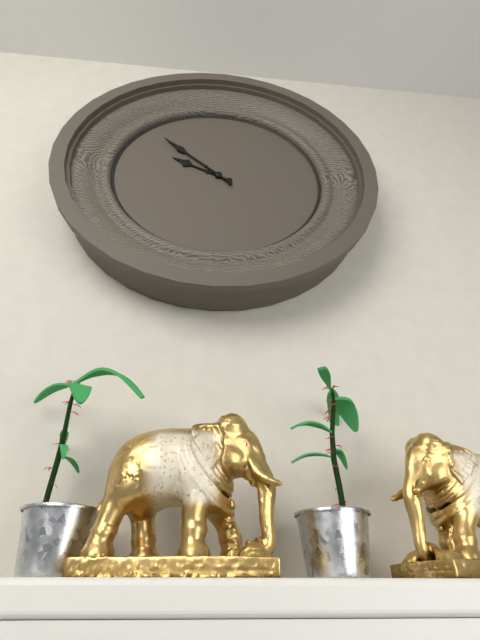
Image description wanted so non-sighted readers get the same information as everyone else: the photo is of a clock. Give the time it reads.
9:52
